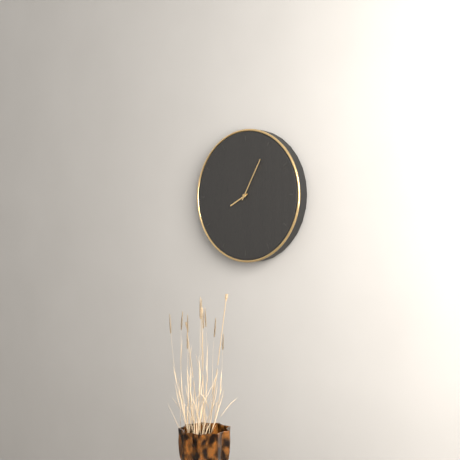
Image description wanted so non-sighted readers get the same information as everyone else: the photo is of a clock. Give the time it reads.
8:05
